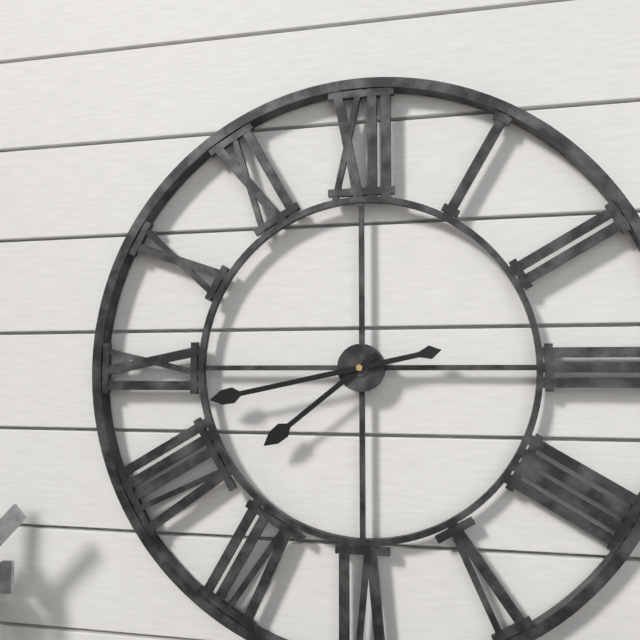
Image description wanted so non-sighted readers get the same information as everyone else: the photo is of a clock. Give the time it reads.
7:43
